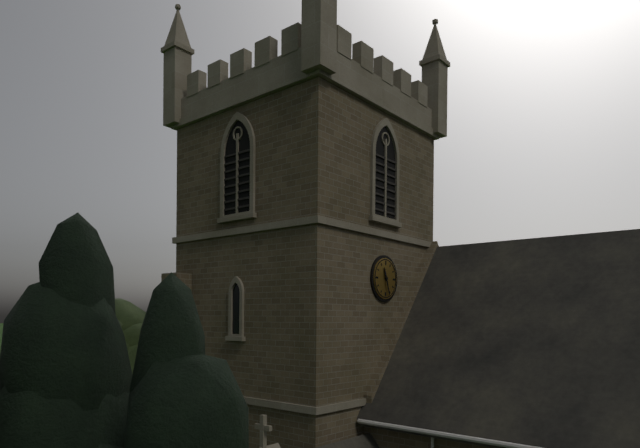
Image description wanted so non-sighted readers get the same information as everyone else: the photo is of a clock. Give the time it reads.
11:27
